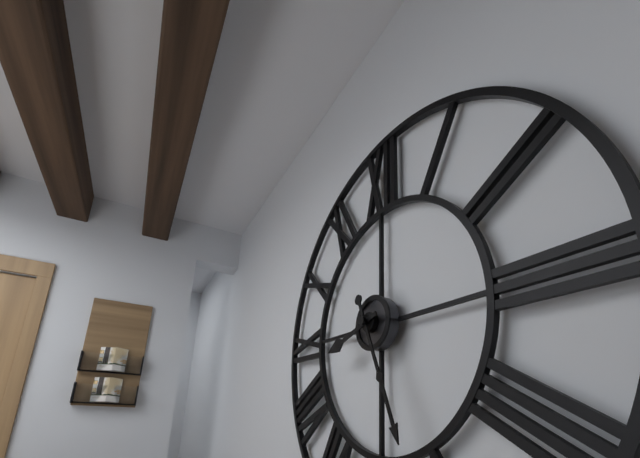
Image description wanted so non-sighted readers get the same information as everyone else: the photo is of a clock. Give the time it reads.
8:26
